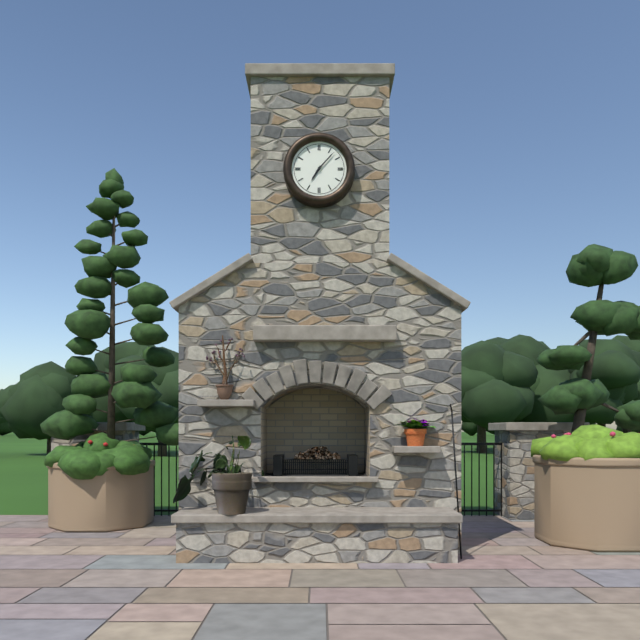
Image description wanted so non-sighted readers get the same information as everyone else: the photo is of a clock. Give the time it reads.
7:07
